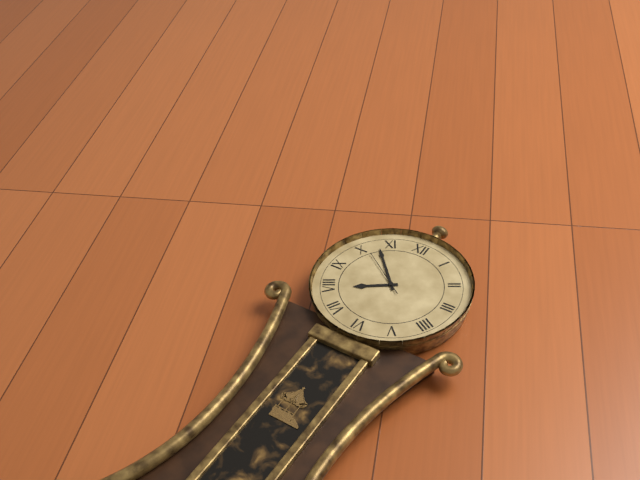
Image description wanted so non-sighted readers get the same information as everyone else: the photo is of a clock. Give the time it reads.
7:53
